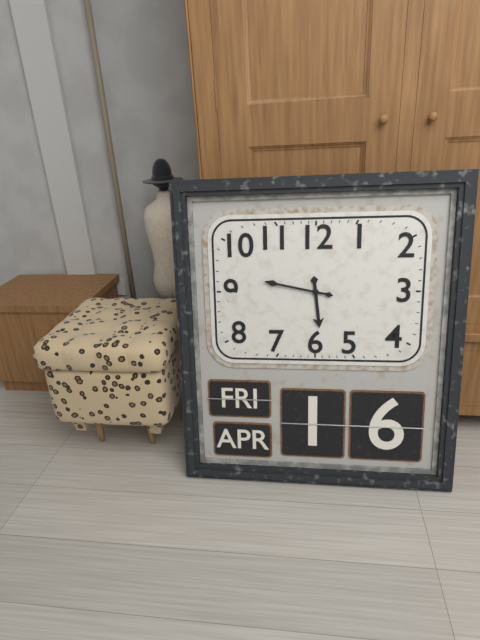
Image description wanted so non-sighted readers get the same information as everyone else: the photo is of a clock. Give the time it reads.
5:47
